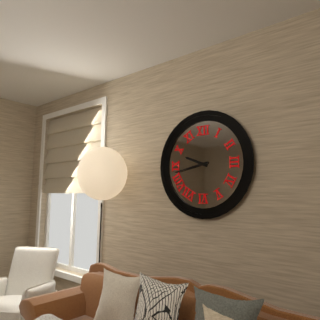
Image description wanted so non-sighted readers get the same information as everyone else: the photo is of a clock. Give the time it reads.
9:43
